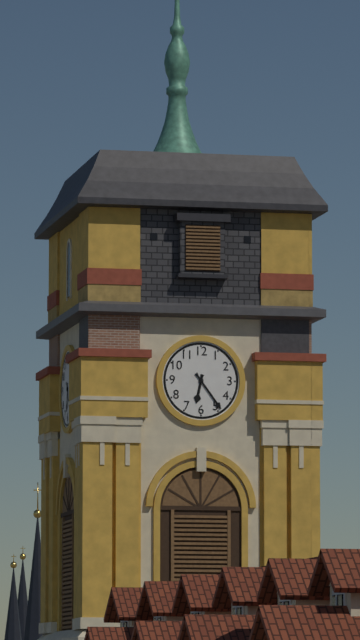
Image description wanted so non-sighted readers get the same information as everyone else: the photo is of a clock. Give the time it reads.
6:24
